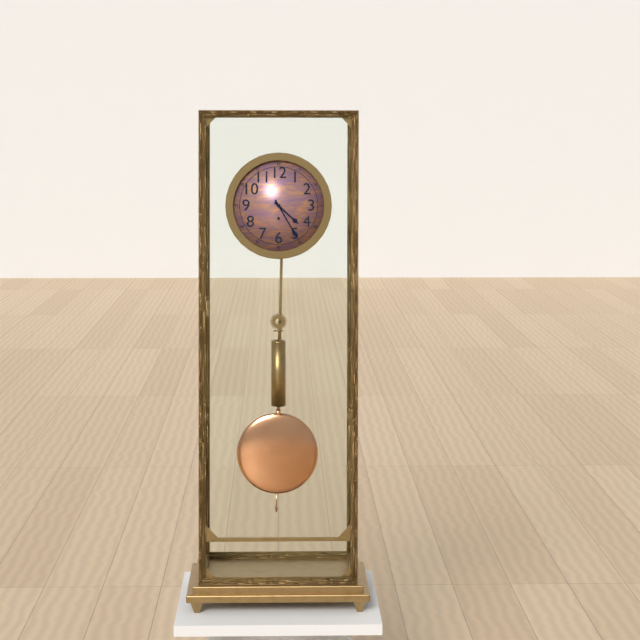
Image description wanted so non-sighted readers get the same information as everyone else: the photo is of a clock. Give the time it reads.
4:25
